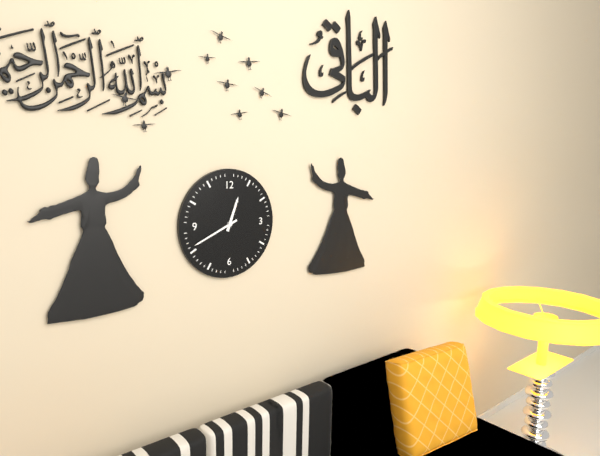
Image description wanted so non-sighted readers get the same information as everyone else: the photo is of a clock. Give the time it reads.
12:41
